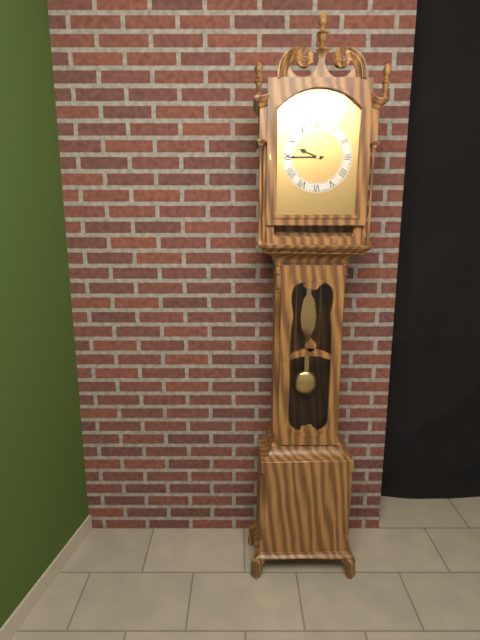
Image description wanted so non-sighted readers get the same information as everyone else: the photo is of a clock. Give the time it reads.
9:45
